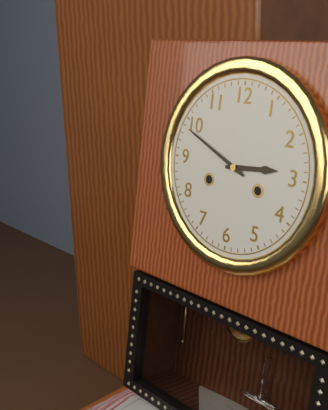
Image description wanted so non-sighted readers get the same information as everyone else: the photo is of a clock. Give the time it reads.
2:49
